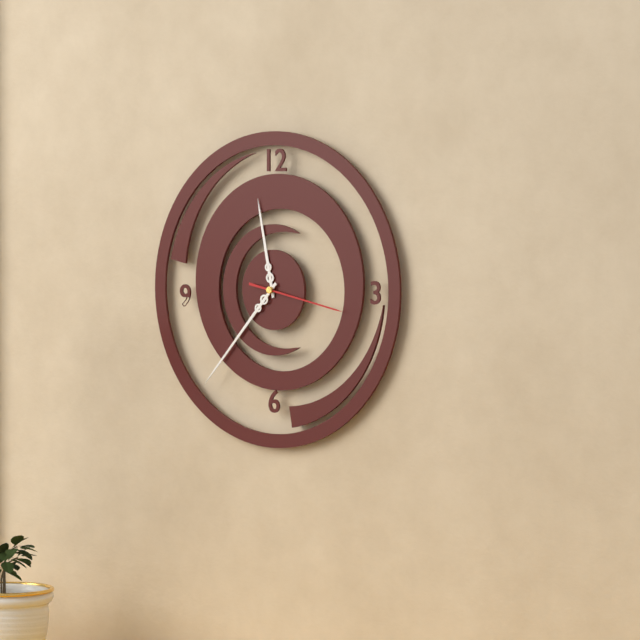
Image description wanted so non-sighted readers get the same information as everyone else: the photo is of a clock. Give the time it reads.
11:37:17
